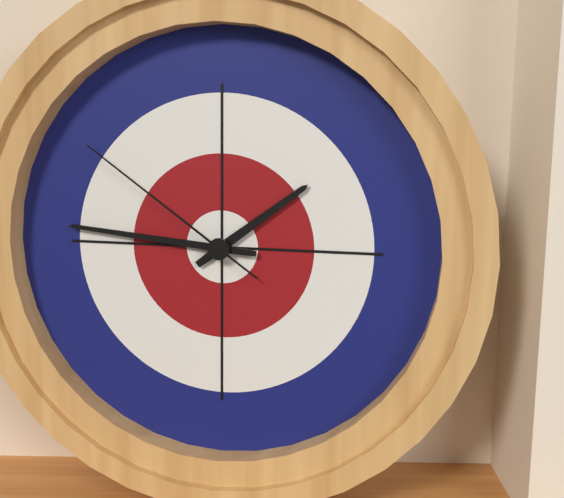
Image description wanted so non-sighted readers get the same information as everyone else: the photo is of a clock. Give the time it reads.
1:46:51
